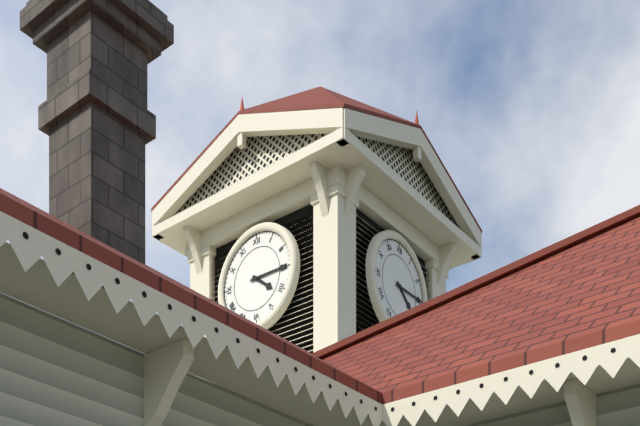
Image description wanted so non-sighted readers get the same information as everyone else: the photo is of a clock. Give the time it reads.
4:15
